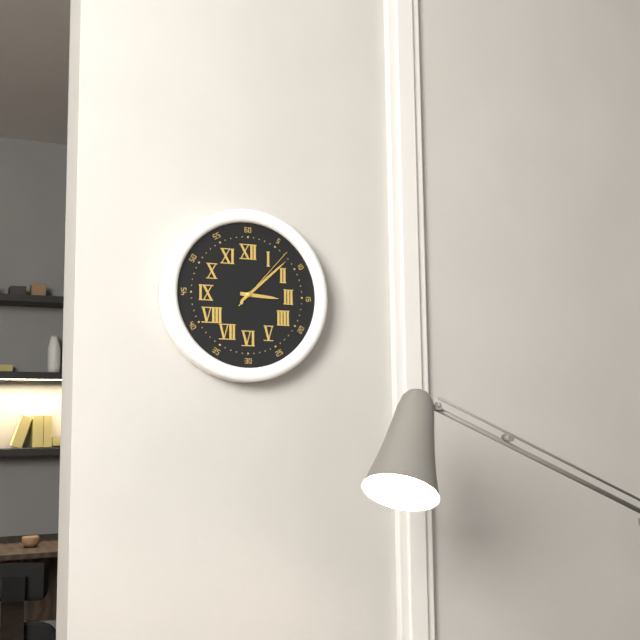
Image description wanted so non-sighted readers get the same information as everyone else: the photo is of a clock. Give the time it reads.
3:08:07
